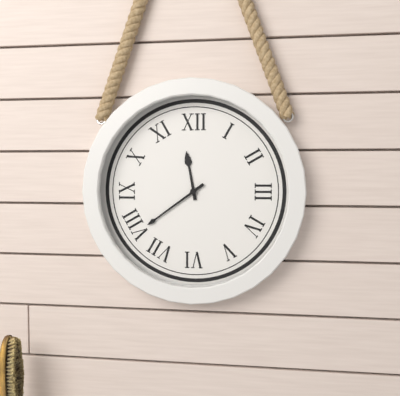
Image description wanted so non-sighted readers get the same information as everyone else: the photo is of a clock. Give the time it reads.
11:39
